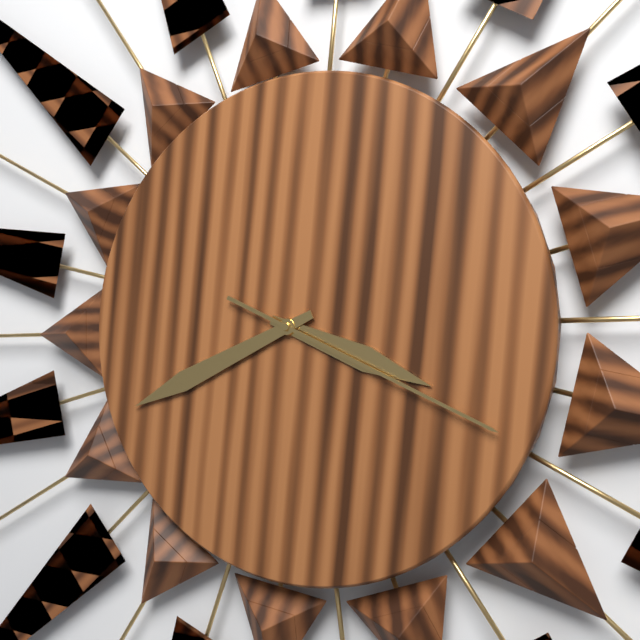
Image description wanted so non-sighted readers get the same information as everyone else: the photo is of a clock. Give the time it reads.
3:41:19
